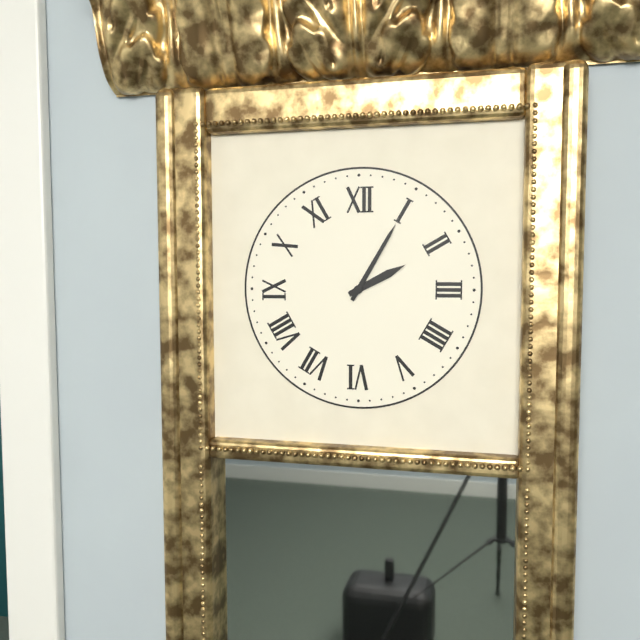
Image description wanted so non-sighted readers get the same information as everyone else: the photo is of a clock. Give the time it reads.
2:05
